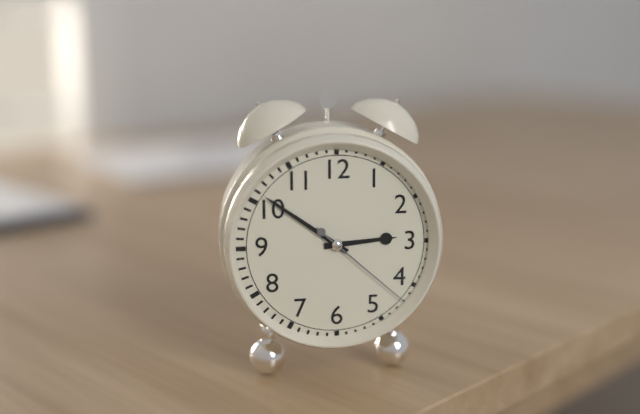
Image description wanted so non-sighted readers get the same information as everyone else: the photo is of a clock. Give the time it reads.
2:51:22
